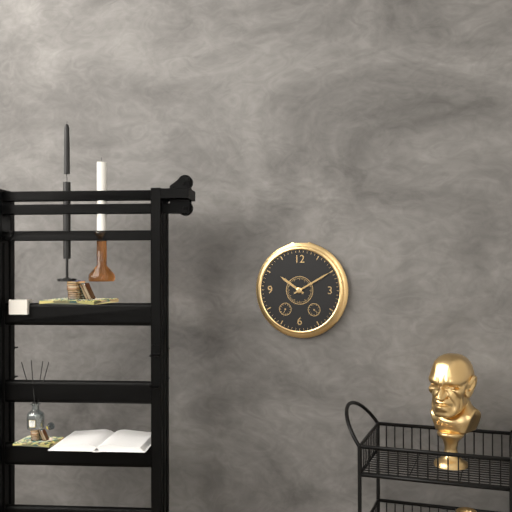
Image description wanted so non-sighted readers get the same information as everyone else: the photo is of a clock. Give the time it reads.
10:10
